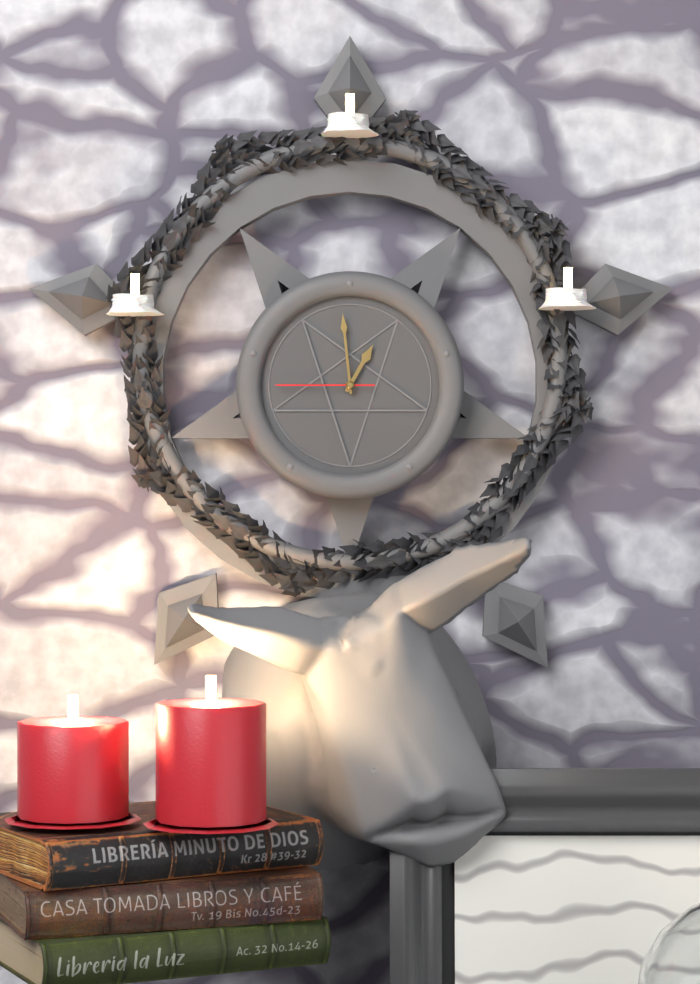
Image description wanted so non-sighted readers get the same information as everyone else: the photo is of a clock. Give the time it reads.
12:59:45
